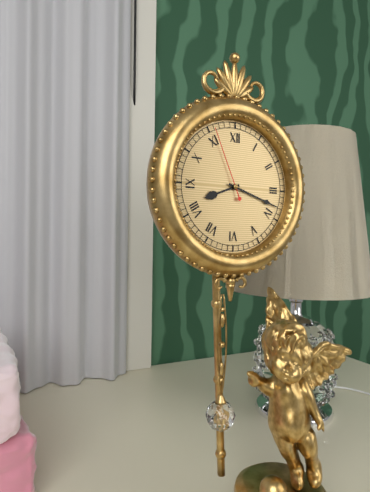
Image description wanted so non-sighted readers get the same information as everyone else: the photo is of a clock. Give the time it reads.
8:18:56
